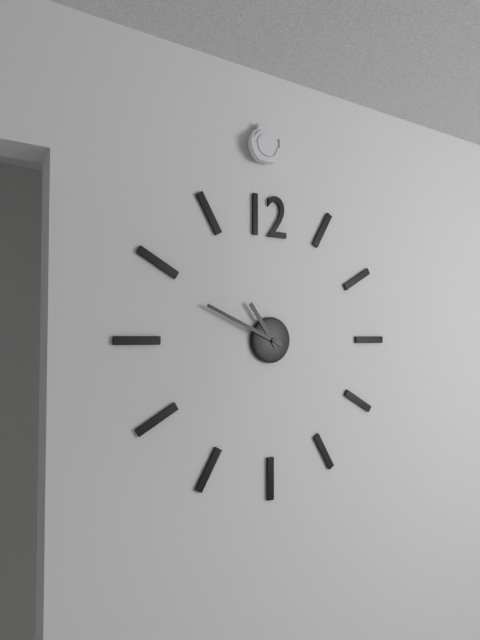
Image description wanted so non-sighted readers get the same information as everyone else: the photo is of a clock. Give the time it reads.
10:49
